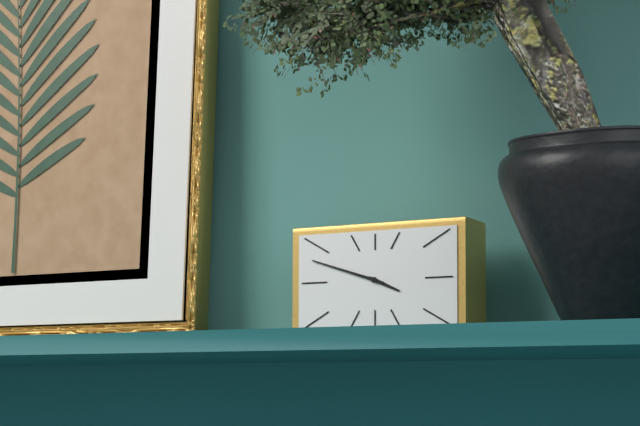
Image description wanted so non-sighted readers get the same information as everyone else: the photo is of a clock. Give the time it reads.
3:48
